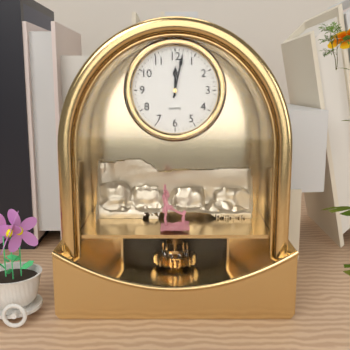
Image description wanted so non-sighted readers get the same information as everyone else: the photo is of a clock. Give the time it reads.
12:02
